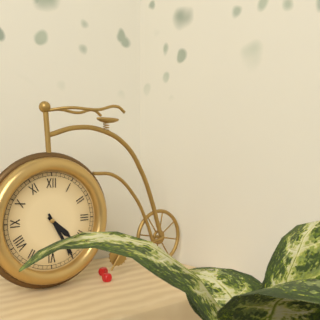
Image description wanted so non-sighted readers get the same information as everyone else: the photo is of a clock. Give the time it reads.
4:25
